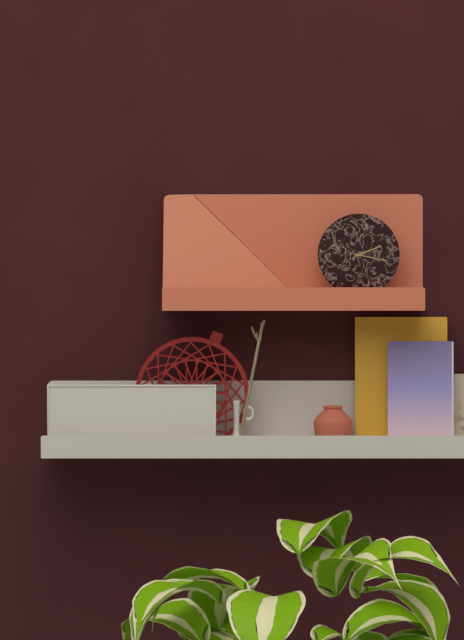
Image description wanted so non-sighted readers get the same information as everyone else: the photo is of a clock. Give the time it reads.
2:17
